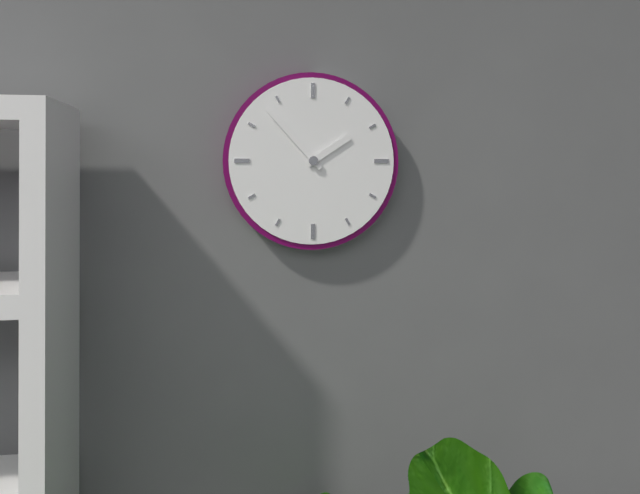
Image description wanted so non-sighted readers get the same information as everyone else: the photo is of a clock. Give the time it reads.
1:53
